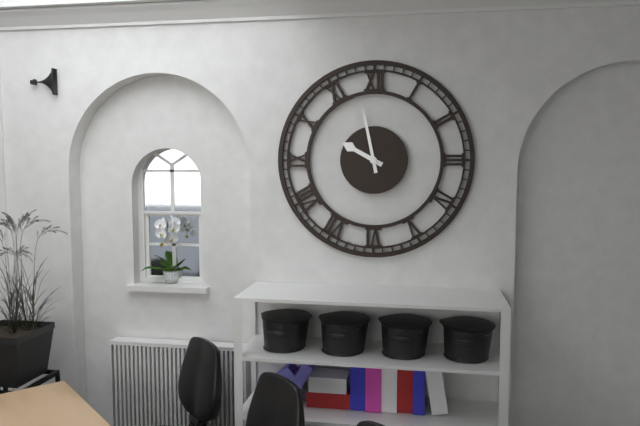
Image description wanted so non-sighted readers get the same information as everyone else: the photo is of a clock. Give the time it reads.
9:58
